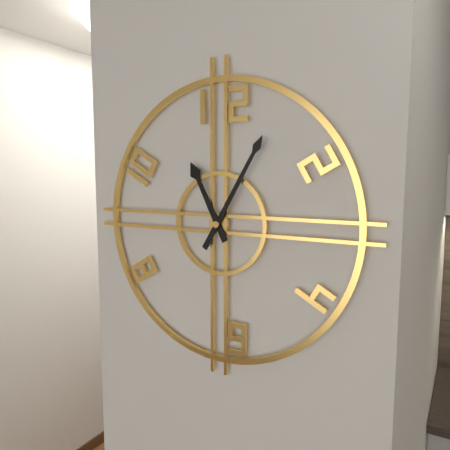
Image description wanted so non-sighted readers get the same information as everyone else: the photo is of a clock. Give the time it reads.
11:05
